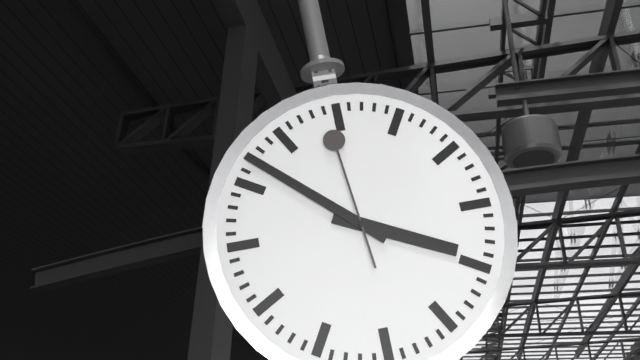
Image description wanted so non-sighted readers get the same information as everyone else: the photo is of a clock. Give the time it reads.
3:52:59
